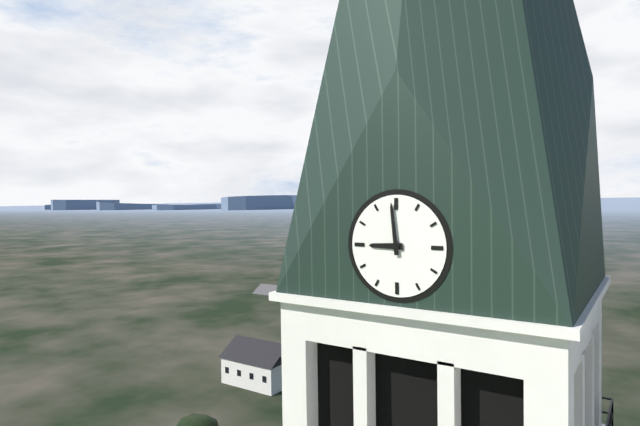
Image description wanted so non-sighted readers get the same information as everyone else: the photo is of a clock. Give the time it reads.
8:59
